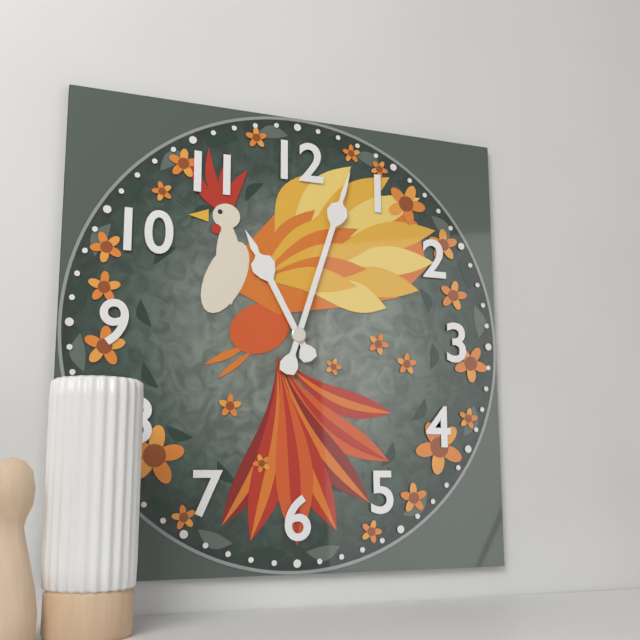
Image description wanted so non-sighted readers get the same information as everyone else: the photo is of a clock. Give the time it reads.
11:03
